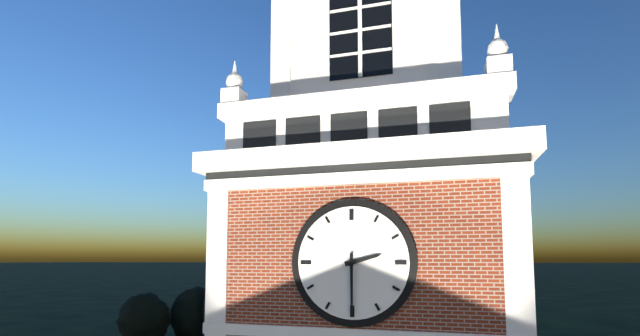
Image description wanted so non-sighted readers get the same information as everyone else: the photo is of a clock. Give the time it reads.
2:30
